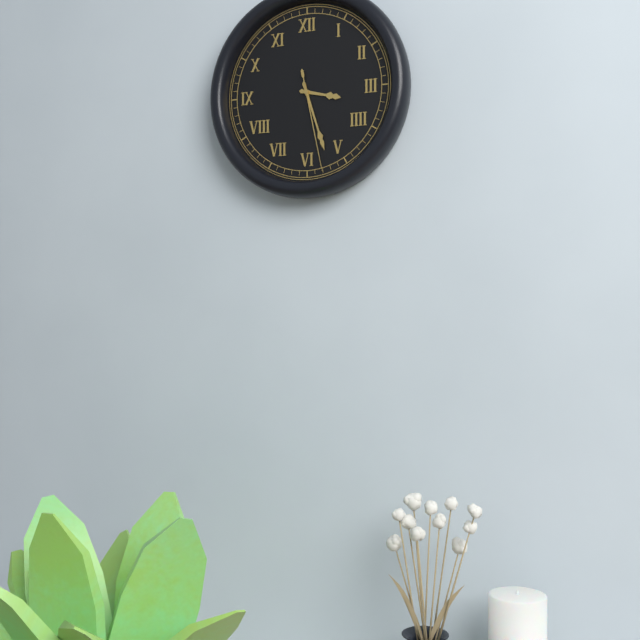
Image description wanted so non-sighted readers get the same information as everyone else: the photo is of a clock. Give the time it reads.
3:27:28
